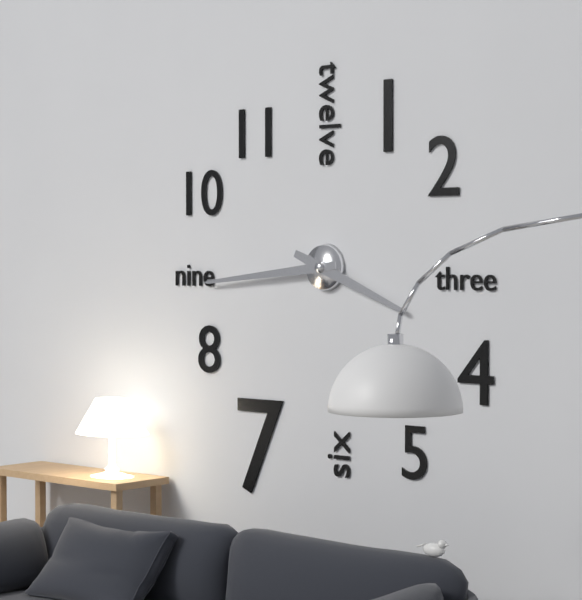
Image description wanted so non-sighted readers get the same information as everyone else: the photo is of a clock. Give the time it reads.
3:44
